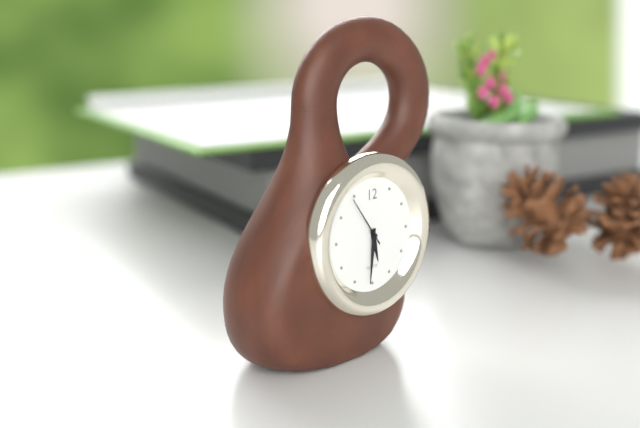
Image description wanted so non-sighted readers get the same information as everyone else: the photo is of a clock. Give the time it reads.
5:31:54
